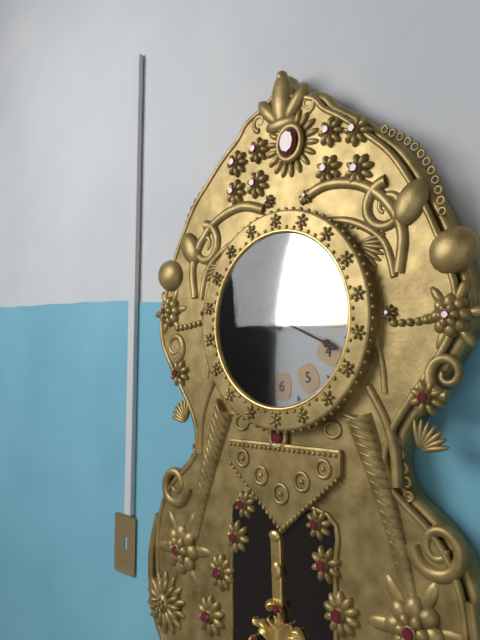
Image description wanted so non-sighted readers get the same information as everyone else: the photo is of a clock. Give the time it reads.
12:19
